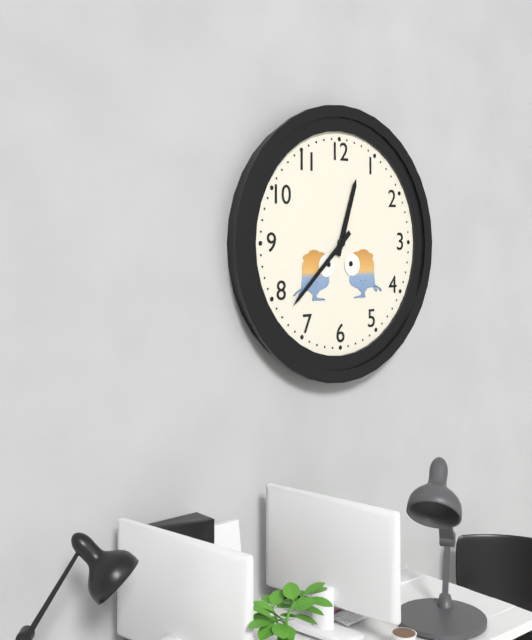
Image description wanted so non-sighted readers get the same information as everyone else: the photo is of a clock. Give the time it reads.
12:38
